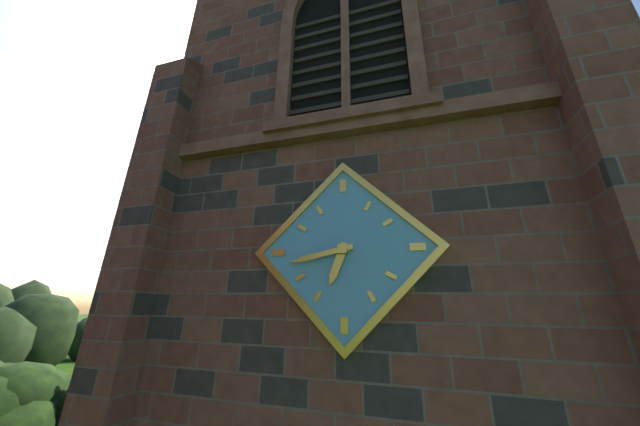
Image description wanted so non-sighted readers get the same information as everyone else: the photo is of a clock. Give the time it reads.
6:43
